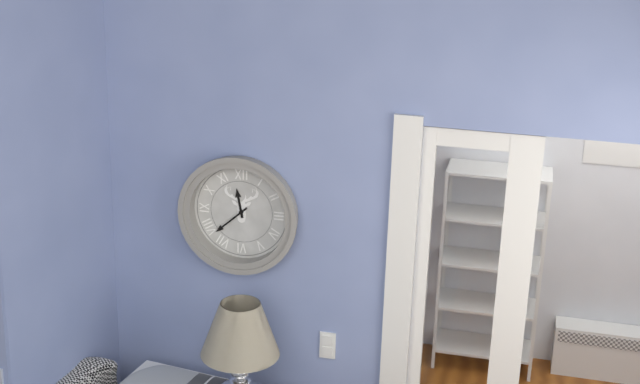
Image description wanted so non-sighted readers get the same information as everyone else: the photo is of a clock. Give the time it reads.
11:38
